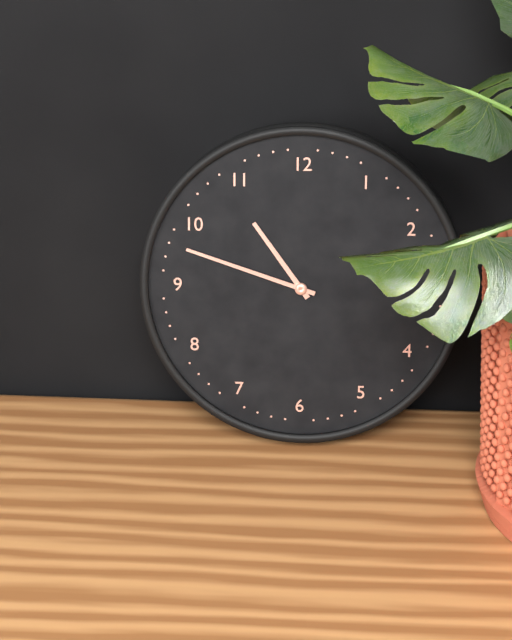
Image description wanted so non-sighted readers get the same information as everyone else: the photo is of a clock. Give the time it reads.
10:48
